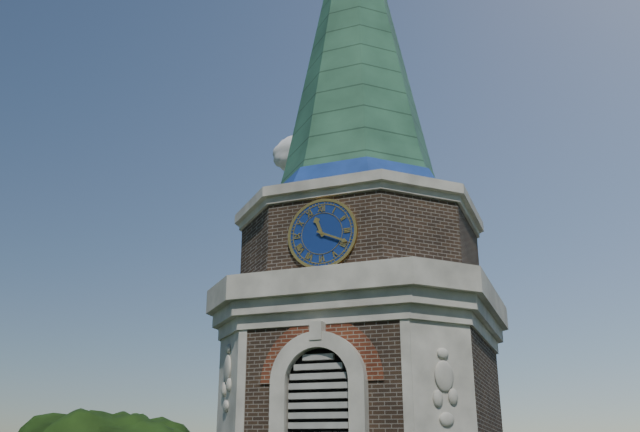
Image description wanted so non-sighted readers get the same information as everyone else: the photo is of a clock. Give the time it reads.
11:19
